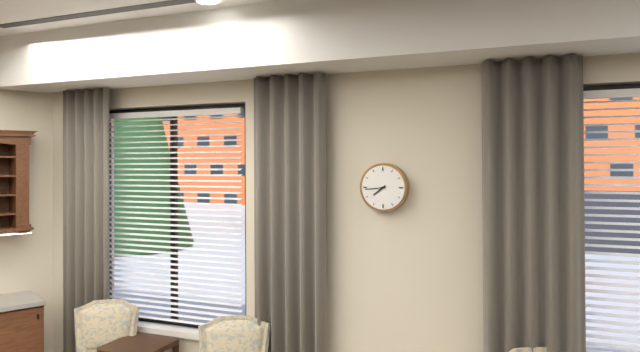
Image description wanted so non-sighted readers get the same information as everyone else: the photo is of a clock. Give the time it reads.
7:44
